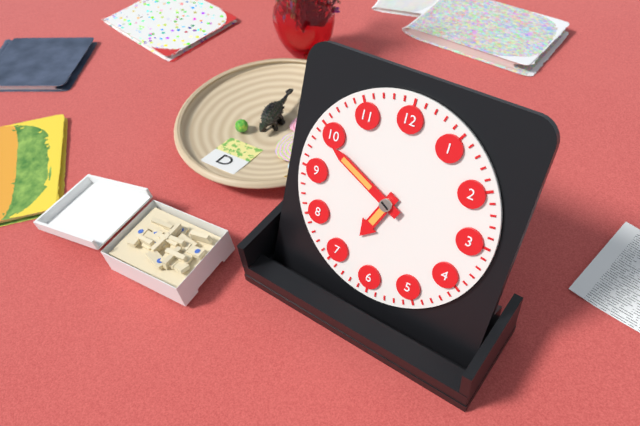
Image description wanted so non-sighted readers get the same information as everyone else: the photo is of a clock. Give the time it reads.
6:49
